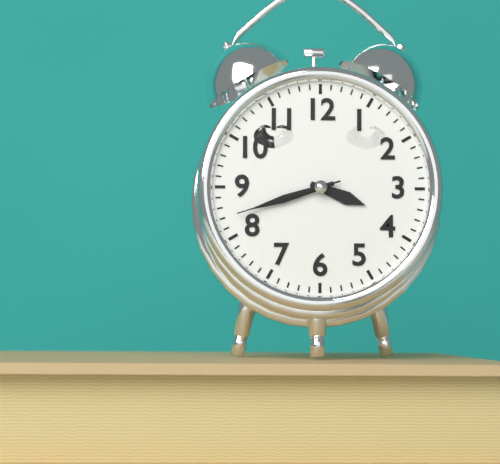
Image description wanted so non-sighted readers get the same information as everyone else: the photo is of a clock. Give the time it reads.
3:42:42
